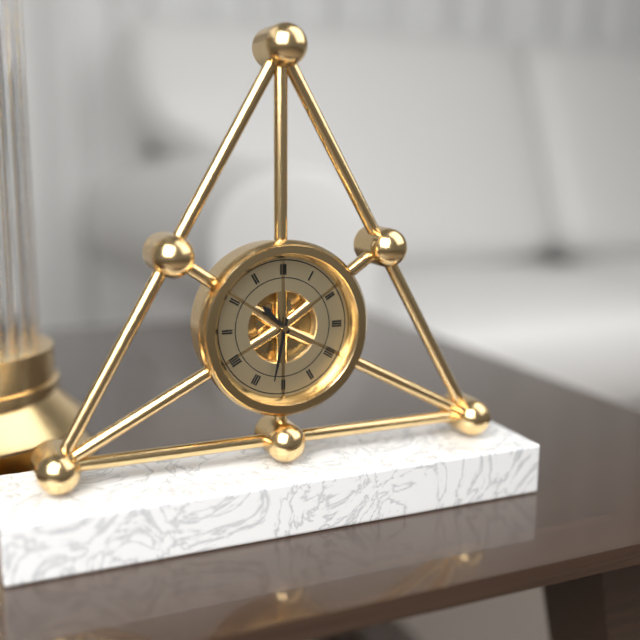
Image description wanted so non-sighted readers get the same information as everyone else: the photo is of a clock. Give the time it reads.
10:32
